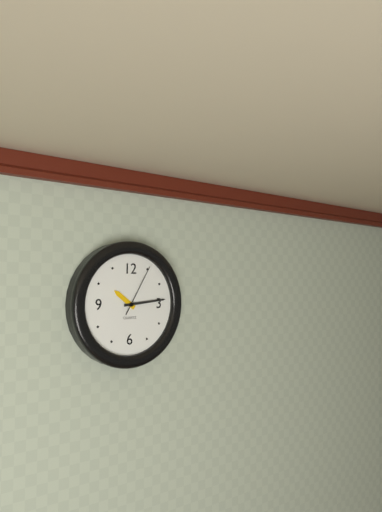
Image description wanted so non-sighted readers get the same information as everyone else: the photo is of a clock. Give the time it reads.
10:14:05
